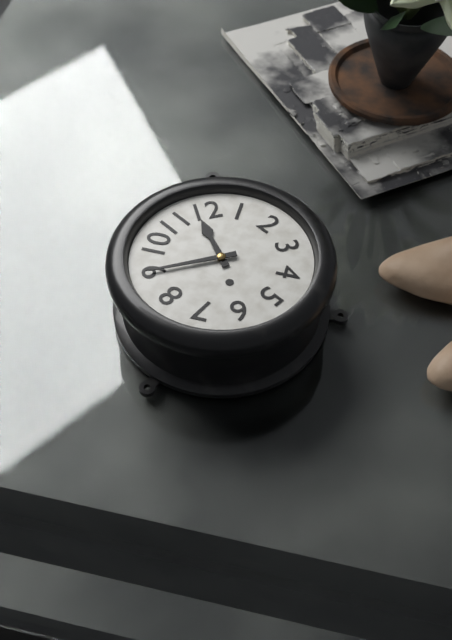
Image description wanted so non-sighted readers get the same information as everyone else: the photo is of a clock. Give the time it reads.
11:45
